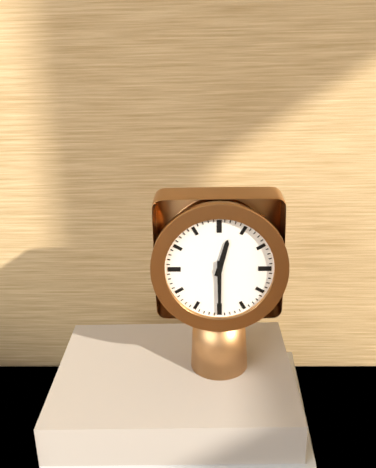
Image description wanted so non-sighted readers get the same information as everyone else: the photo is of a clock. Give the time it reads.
12:30
